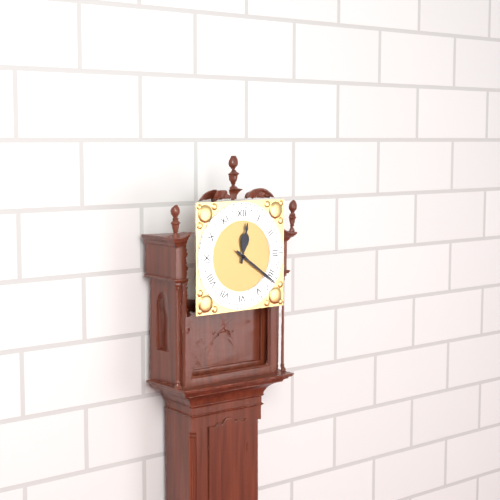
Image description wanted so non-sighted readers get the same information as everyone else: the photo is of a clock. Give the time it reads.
12:21
